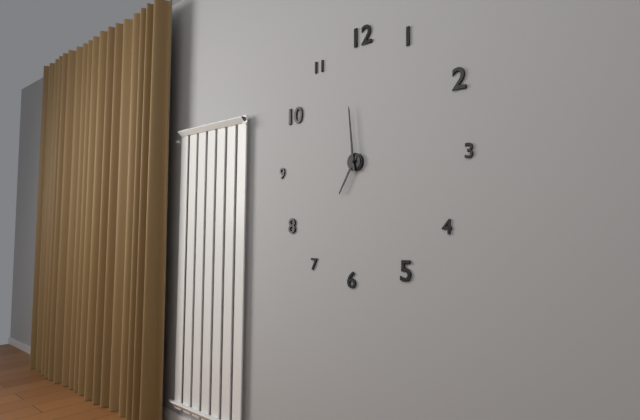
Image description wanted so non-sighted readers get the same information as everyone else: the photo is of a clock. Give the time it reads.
6:59
